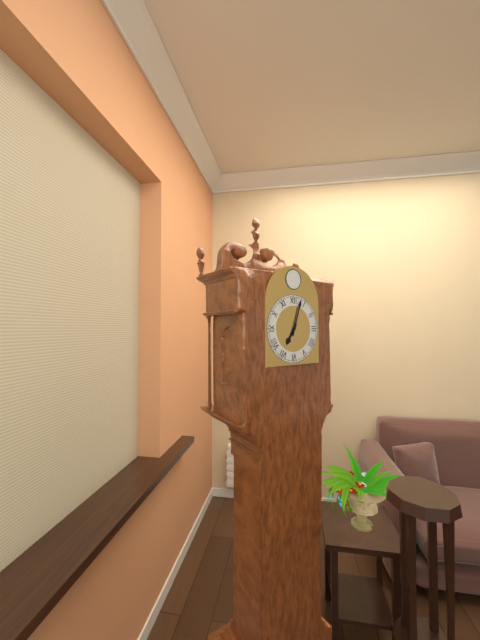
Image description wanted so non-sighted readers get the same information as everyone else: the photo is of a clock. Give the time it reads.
7:03
